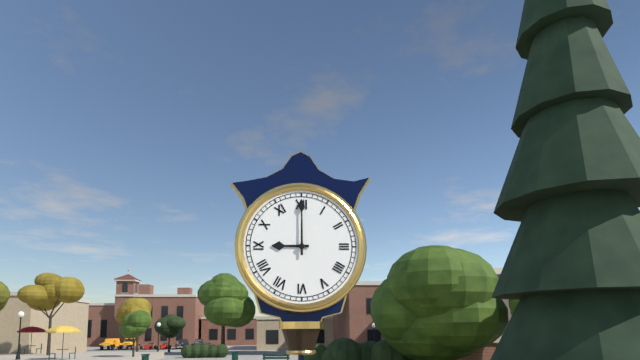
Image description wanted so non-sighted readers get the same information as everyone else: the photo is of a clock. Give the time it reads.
9:00
